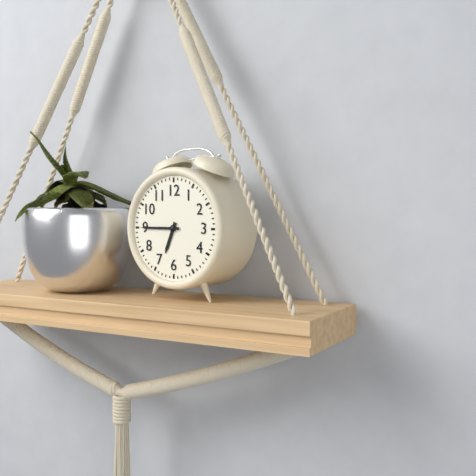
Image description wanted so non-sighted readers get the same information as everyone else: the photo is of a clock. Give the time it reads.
6:45
